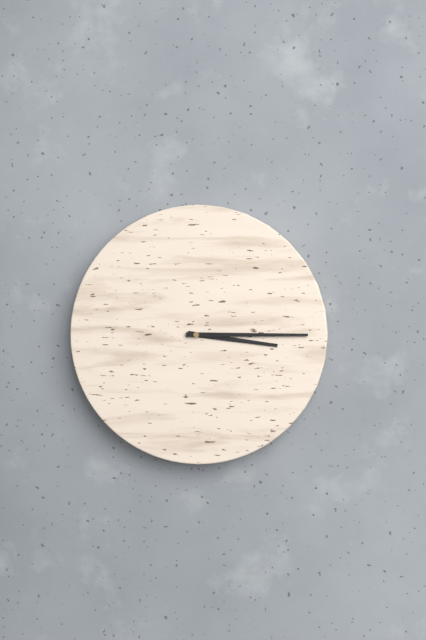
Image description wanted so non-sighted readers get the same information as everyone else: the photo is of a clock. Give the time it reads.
3:15
